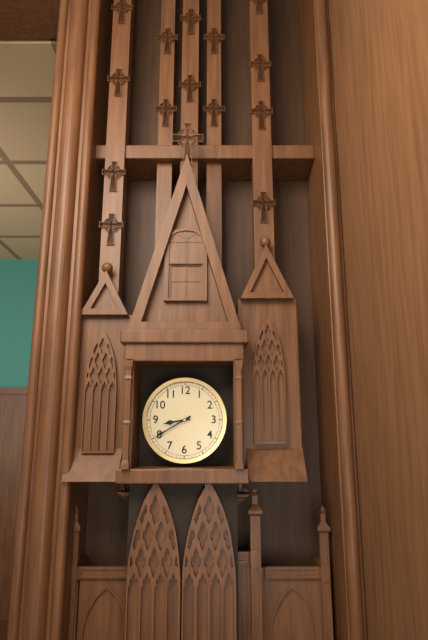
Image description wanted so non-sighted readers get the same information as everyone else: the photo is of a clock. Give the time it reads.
8:40
